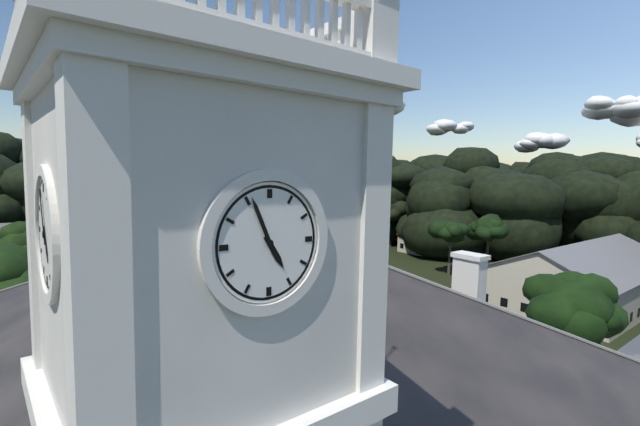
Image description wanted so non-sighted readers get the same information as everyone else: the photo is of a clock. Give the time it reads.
4:56
